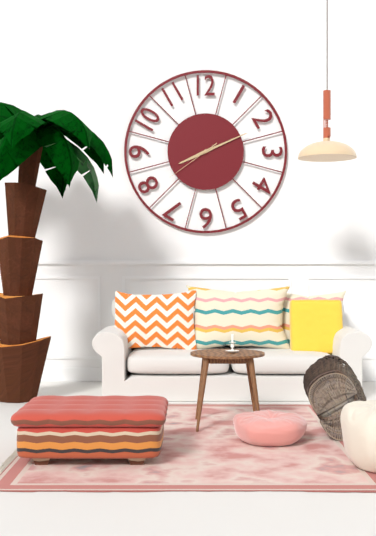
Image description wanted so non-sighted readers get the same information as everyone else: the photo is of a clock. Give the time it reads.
8:11:39
